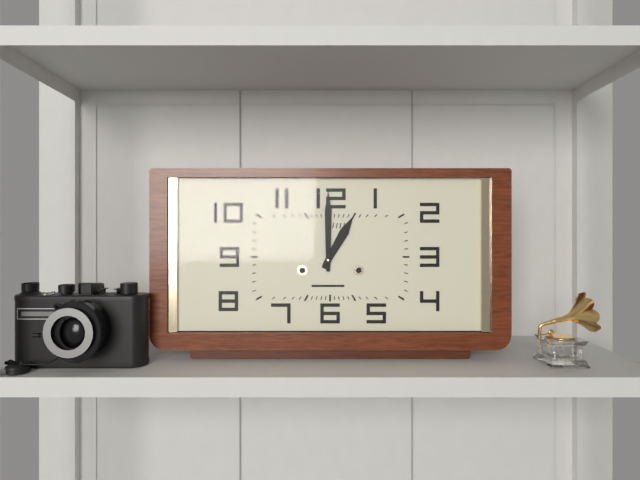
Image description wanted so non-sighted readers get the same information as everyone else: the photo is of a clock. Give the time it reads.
1:00
